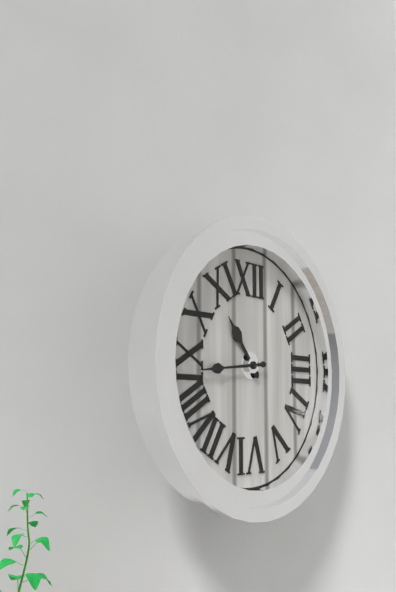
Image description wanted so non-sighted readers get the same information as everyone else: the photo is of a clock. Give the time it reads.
10:44
